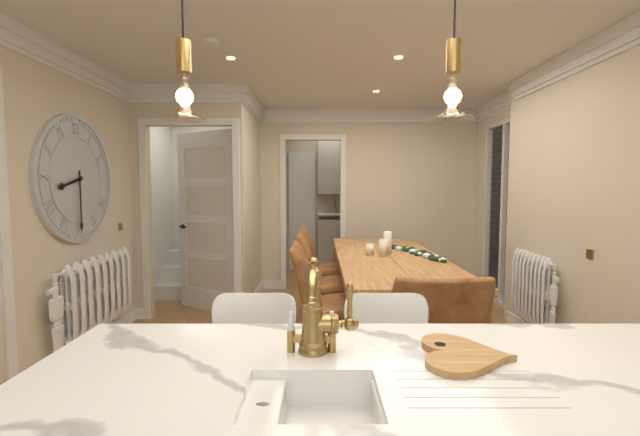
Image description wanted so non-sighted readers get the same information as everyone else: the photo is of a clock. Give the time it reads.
8:30
